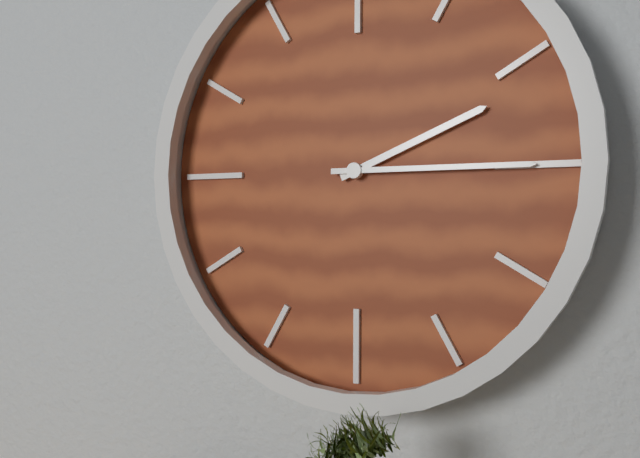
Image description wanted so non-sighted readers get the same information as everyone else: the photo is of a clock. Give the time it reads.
2:15
